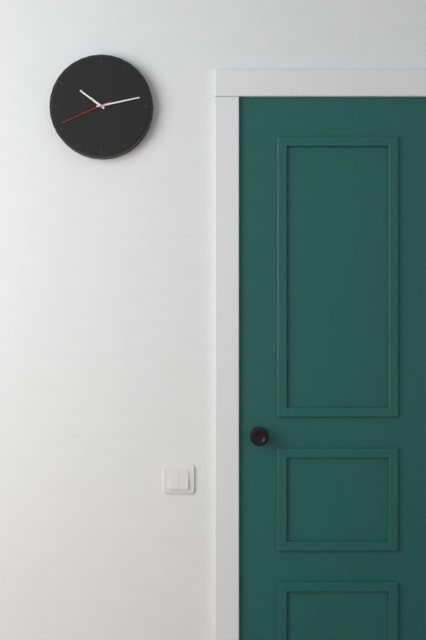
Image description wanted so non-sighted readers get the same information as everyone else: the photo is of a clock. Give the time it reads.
10:13:41
